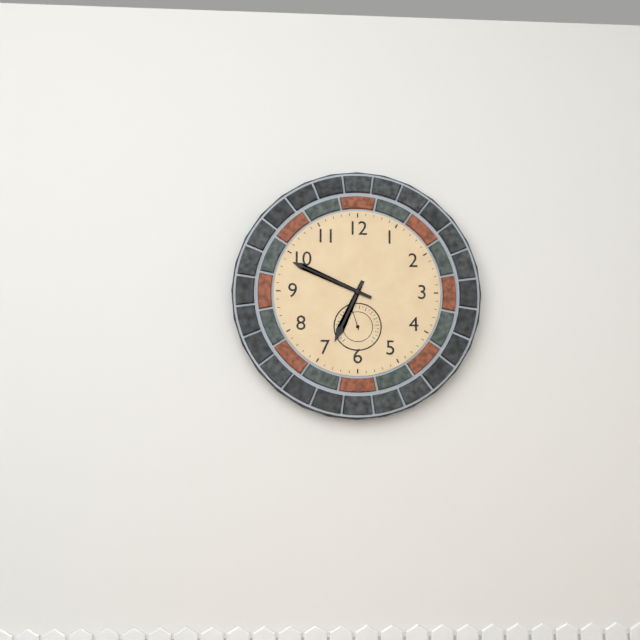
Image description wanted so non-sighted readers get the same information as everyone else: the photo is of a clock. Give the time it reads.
6:49
